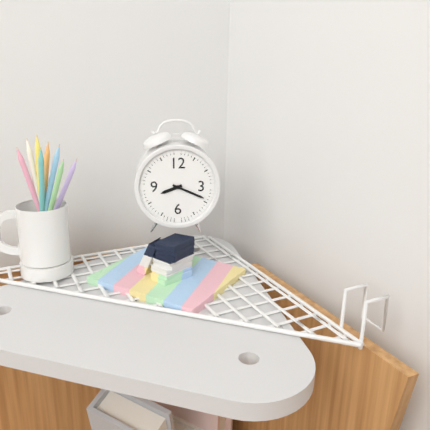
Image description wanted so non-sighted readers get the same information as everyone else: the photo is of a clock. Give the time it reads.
8:19
